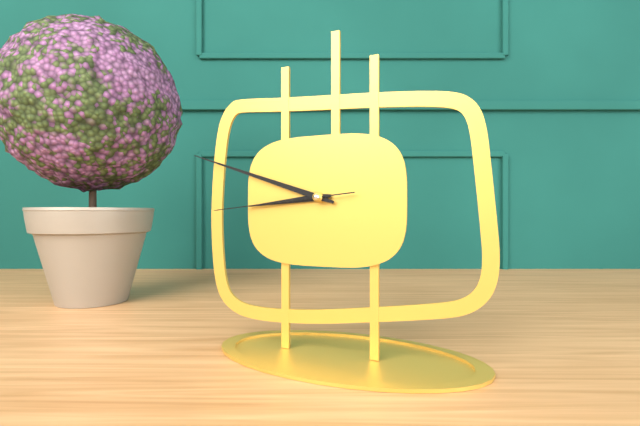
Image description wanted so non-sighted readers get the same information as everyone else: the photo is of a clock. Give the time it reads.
8:48:44
